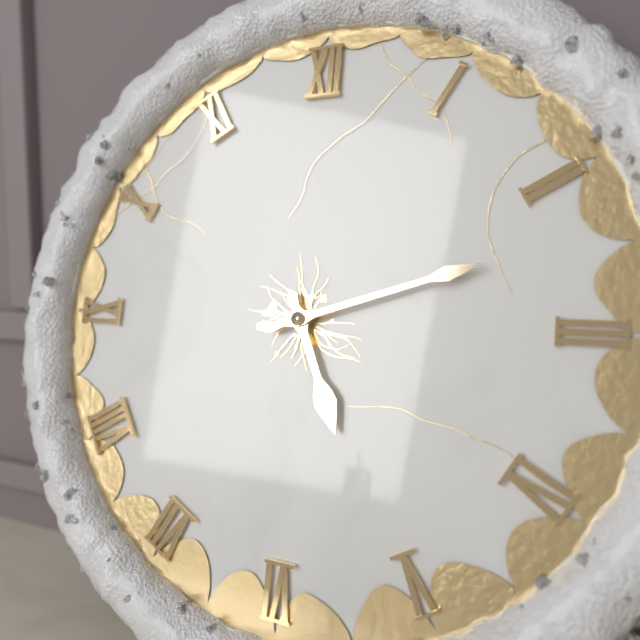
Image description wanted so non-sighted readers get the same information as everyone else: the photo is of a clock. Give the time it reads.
5:12
